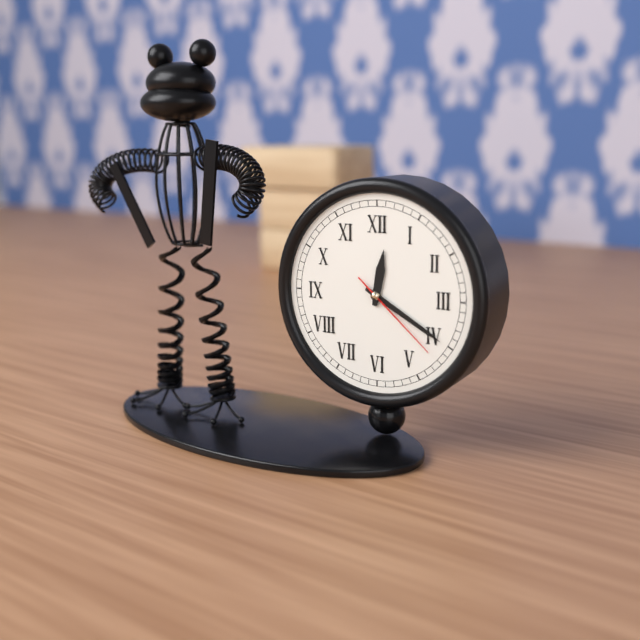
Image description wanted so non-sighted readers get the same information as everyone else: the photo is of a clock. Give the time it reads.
12:20:22
